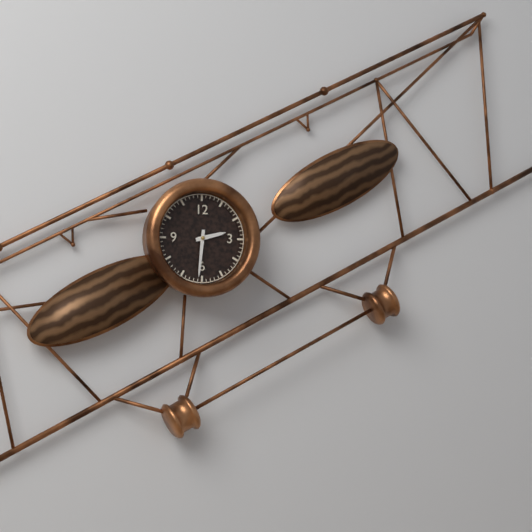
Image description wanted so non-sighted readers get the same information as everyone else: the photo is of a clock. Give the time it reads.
2:31
